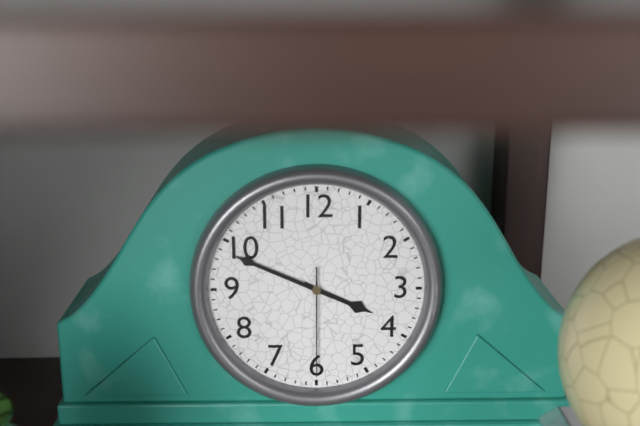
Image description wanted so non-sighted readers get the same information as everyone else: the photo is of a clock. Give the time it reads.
3:49:30
